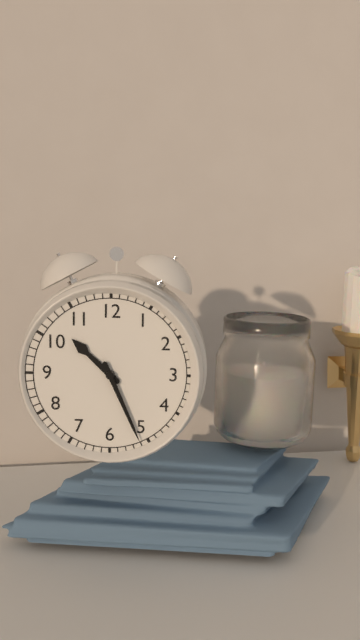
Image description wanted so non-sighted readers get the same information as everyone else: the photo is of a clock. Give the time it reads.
10:26
